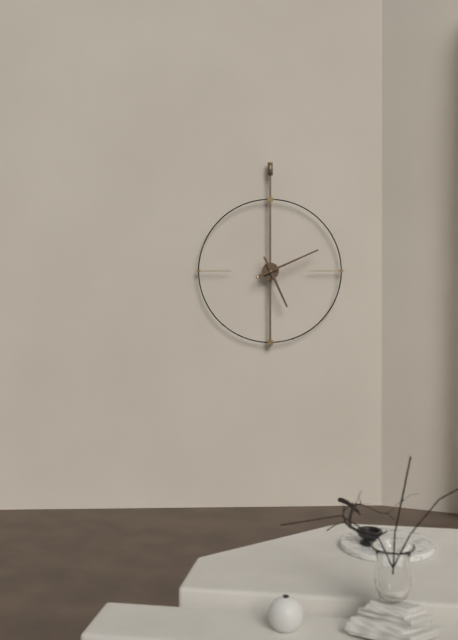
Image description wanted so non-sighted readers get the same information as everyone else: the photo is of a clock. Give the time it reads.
5:11
